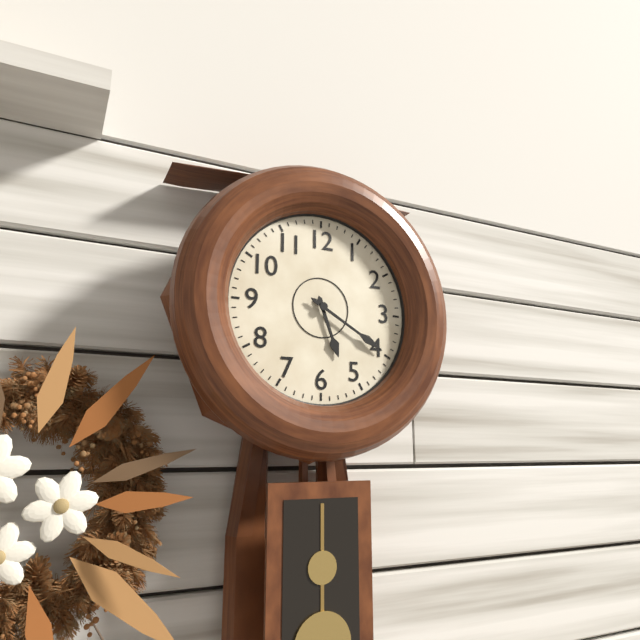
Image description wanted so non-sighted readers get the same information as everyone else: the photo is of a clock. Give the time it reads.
5:20
